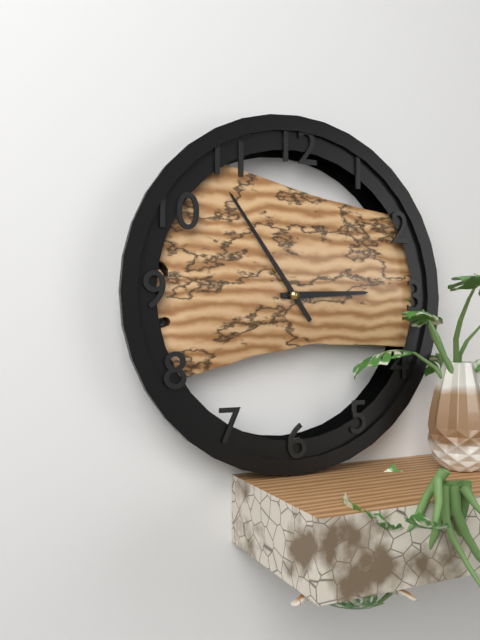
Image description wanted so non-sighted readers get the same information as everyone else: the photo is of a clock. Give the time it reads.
2:54
